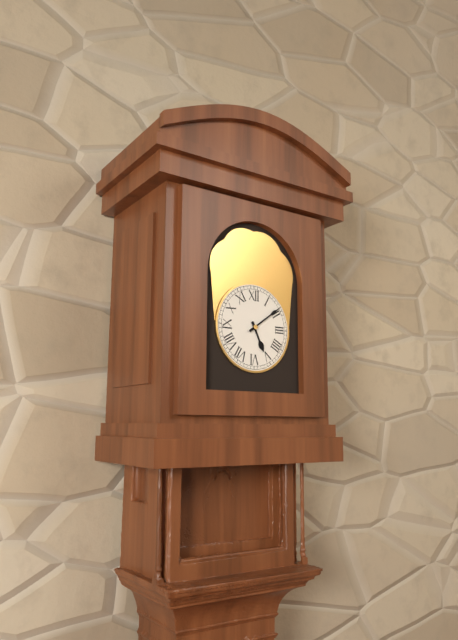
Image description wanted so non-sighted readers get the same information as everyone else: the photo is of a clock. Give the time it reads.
5:09
